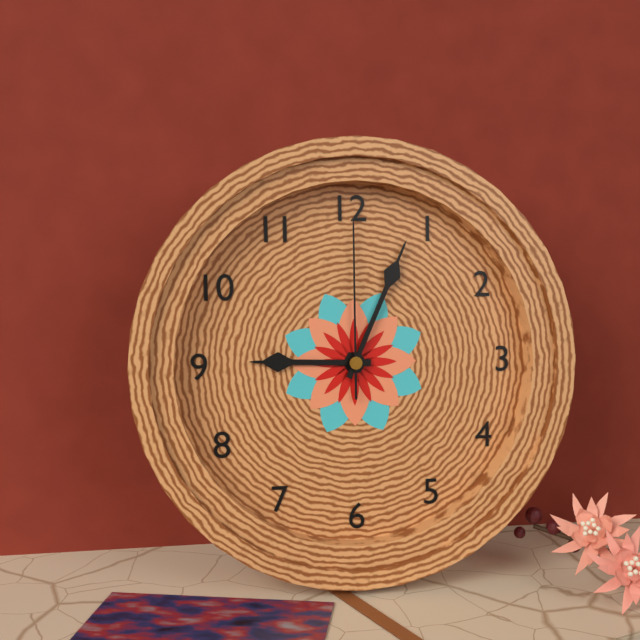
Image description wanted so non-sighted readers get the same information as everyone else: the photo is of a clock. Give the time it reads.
9:04:00
